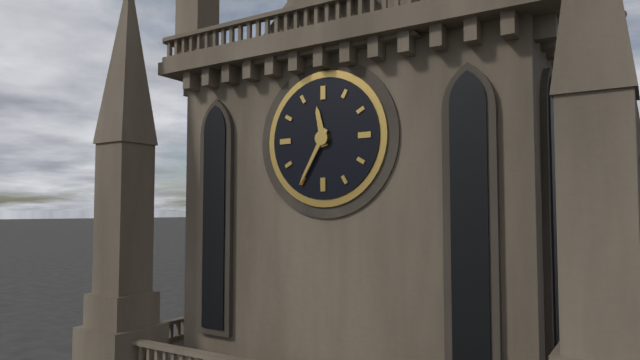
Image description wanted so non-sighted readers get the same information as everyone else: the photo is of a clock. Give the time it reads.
11:35
